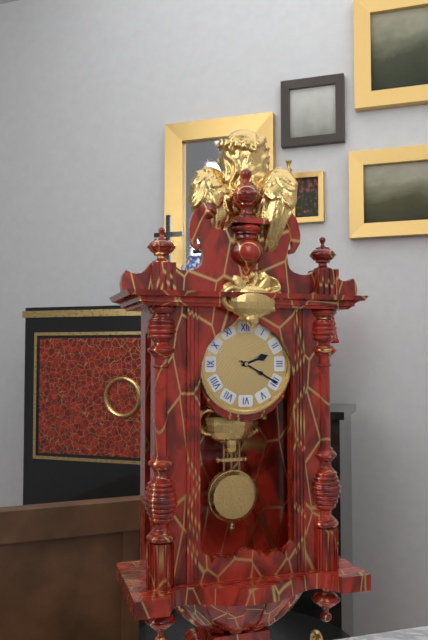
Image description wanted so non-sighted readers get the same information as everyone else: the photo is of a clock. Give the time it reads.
2:20
